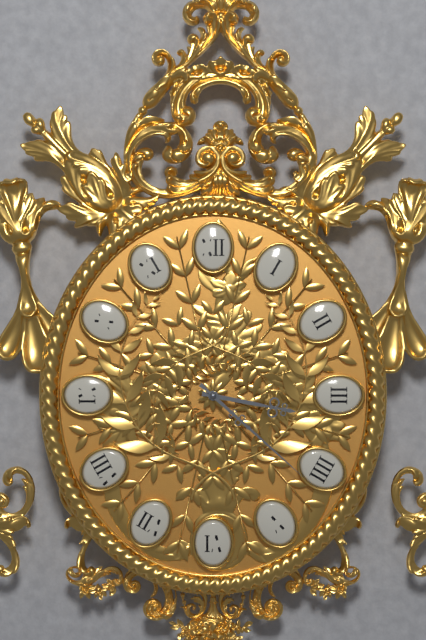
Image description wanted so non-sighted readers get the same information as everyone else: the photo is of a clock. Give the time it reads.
3:22
